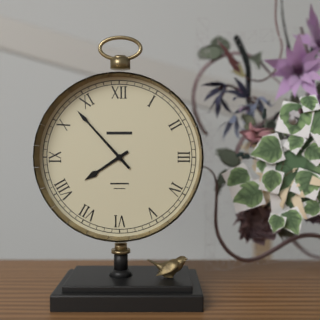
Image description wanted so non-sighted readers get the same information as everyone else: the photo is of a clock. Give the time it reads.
7:53
